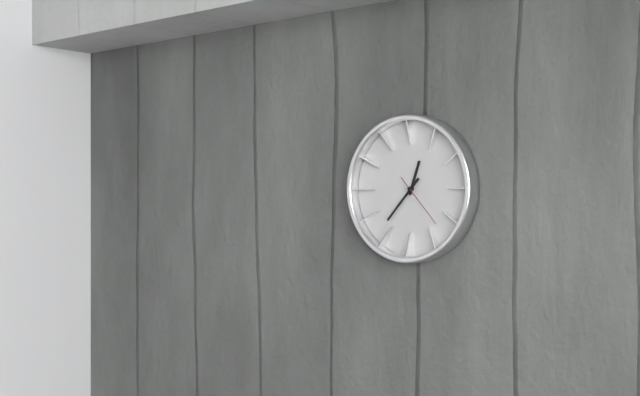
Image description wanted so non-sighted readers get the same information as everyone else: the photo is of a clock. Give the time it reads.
12:37:23
